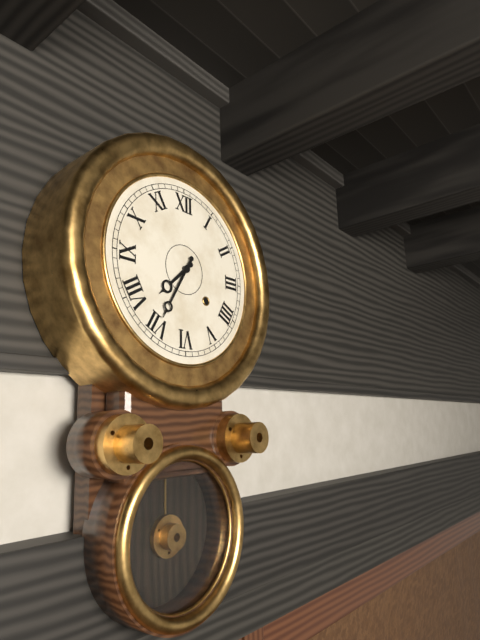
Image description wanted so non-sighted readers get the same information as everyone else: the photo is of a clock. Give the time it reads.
7:35
